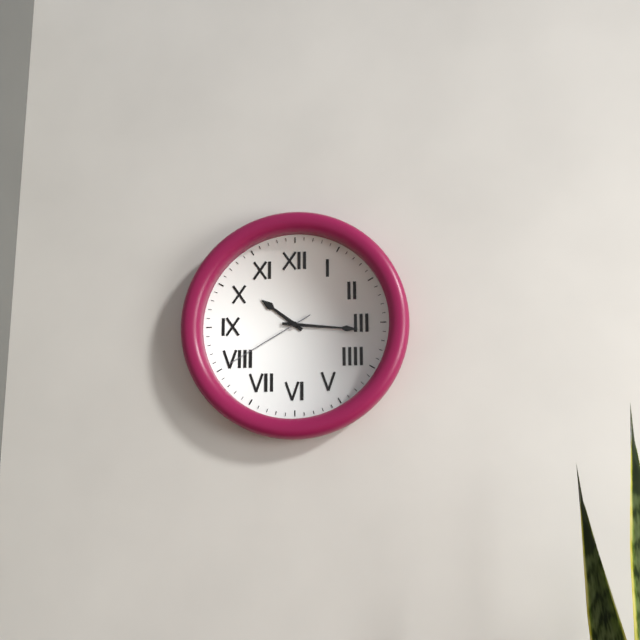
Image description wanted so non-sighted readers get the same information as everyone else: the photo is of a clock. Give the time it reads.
10:16:40
